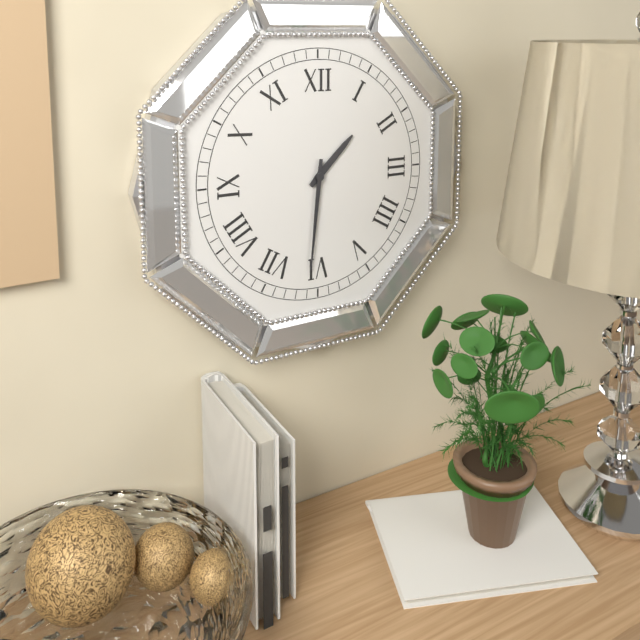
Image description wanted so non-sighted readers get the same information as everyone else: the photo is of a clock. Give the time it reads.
1:31
